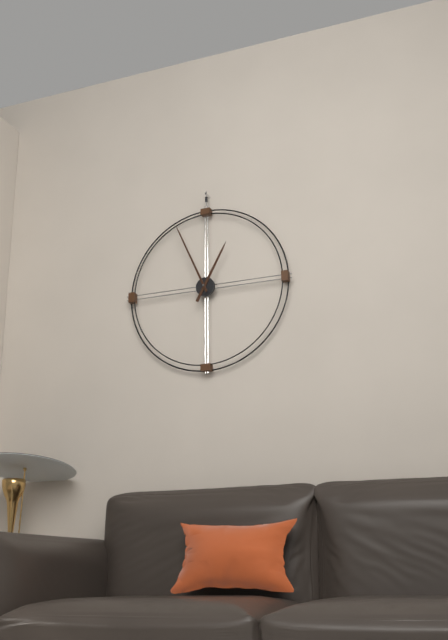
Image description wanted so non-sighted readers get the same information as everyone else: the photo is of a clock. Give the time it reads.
12:56
